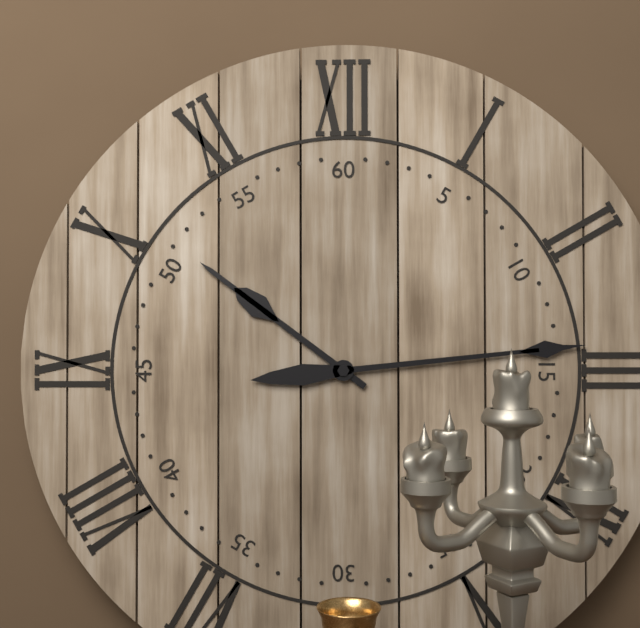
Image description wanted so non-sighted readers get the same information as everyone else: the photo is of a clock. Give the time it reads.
10:14
